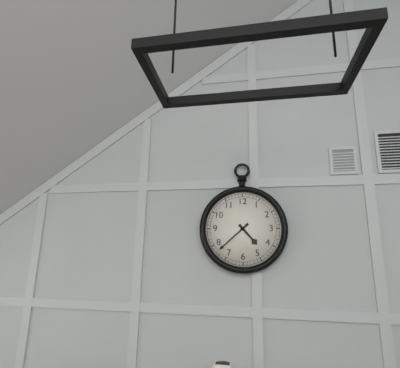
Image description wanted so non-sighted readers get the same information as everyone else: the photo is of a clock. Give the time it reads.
4:38
